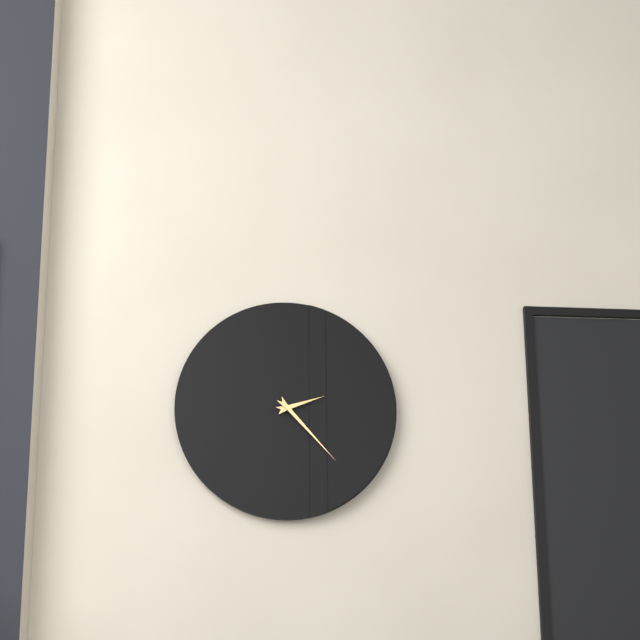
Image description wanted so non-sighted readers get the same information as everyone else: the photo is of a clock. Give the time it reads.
2:23
